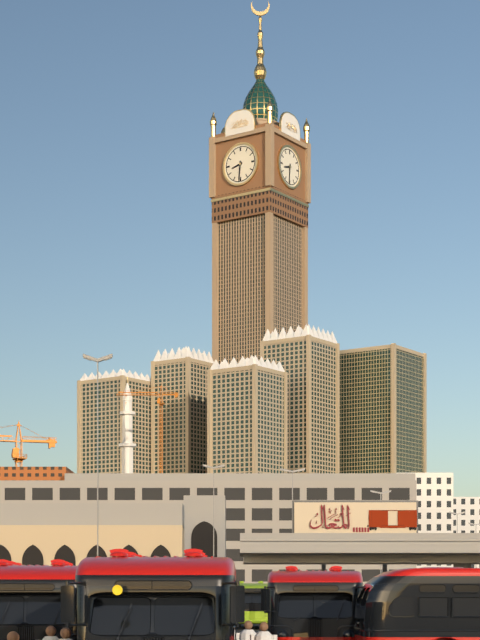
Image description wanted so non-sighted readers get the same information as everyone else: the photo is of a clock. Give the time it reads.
8:31
